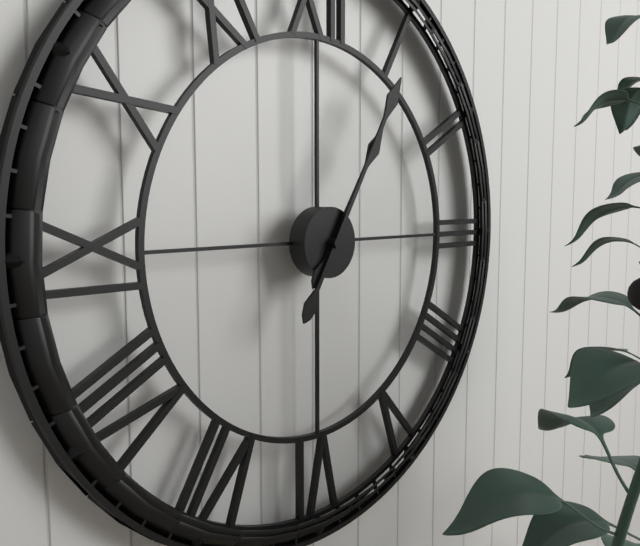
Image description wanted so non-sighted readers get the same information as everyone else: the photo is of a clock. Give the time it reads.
1:05
